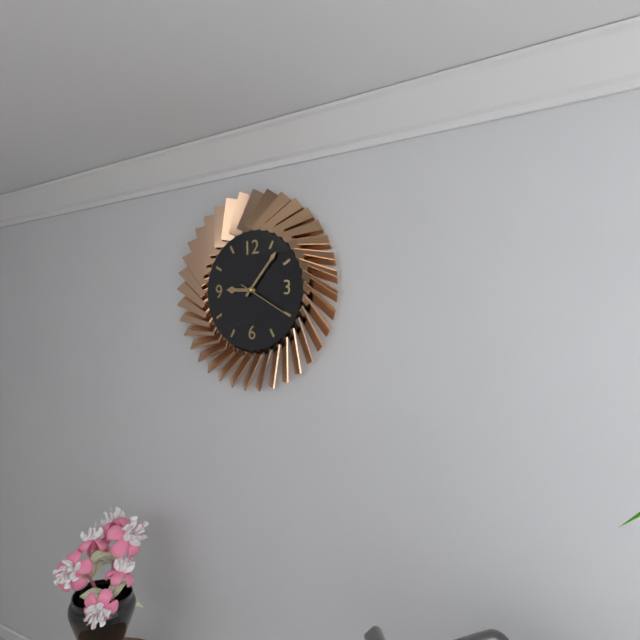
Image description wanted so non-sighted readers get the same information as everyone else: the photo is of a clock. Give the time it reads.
9:07:20
